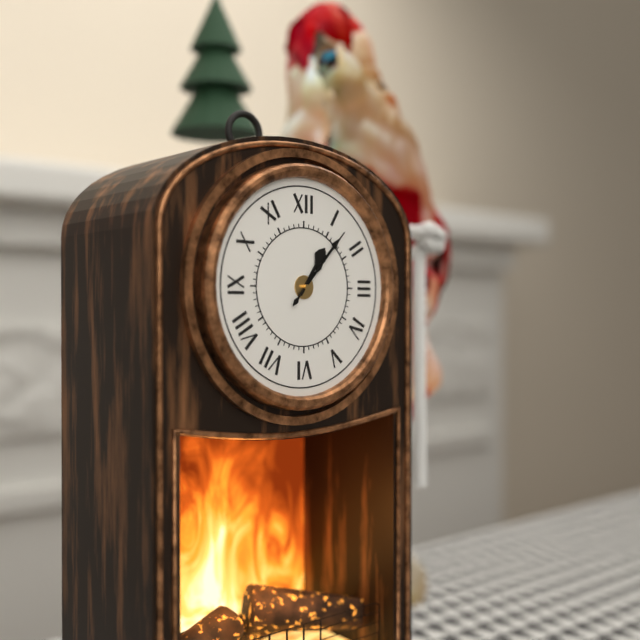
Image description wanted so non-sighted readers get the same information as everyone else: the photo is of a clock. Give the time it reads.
1:07:07
